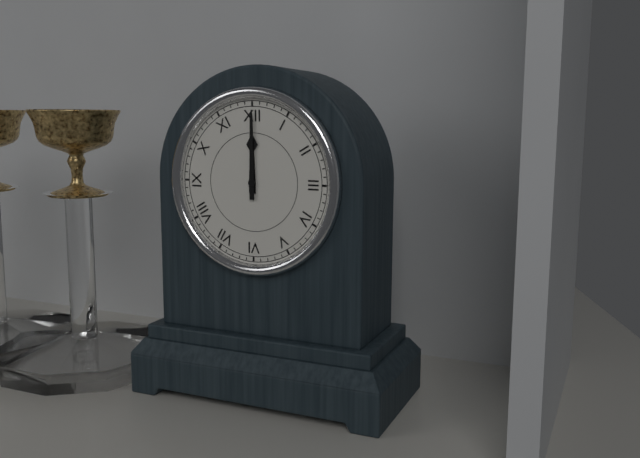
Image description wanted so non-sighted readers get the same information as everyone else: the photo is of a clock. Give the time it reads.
12:00
